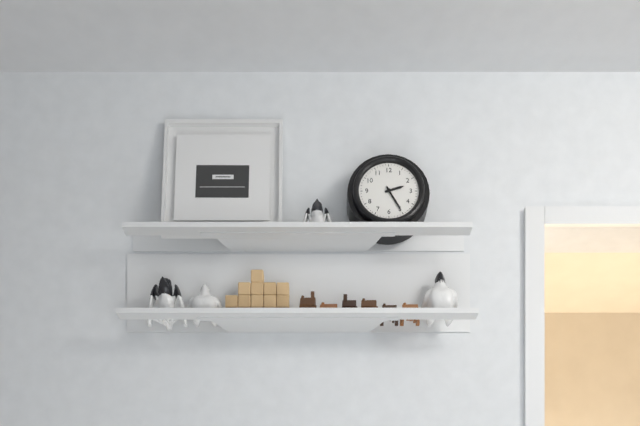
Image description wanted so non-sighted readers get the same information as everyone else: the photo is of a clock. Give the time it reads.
2:25
